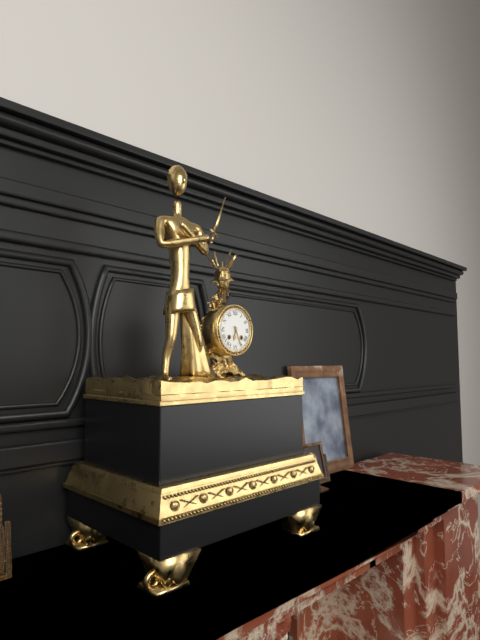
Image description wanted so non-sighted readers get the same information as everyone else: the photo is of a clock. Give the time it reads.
6:26
